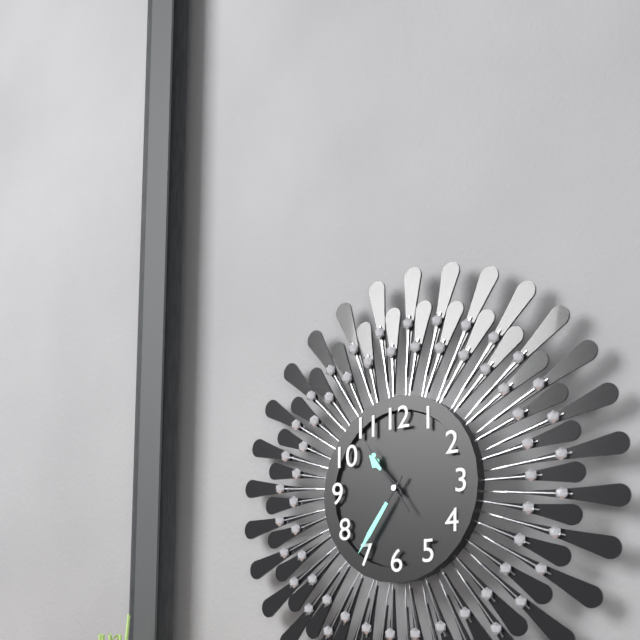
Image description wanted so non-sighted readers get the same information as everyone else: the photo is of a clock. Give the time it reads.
10:36:54
